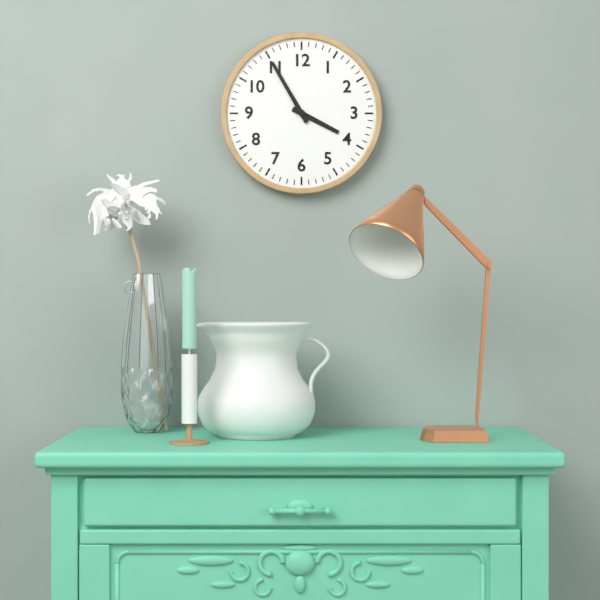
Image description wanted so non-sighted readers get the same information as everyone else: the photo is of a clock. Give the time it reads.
3:55
